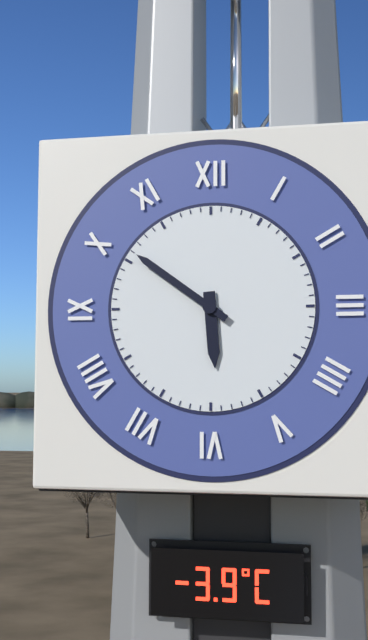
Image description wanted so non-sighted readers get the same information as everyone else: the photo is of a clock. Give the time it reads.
5:51
